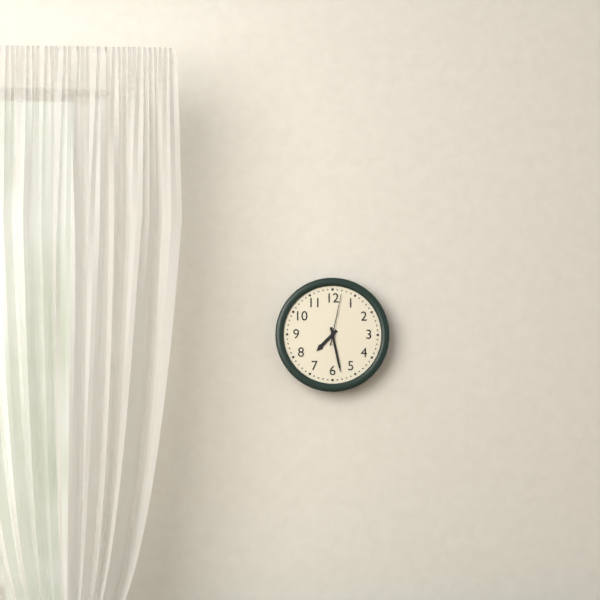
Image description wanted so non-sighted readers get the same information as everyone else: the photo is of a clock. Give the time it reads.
7:28:02
